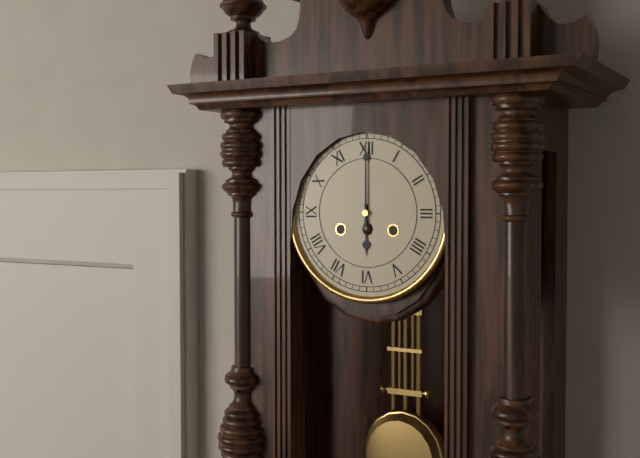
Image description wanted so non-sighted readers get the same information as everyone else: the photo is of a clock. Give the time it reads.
6:00
